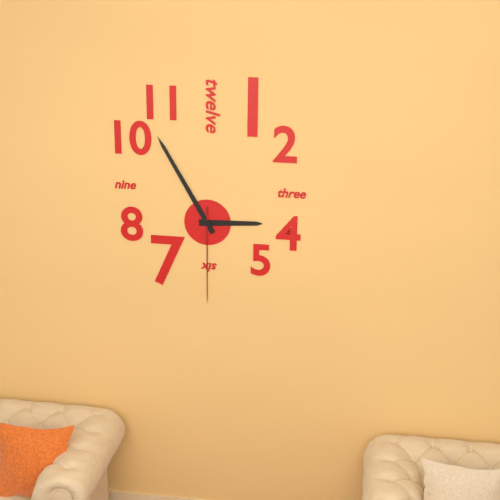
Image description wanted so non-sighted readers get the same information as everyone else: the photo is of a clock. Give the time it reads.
2:55:30
